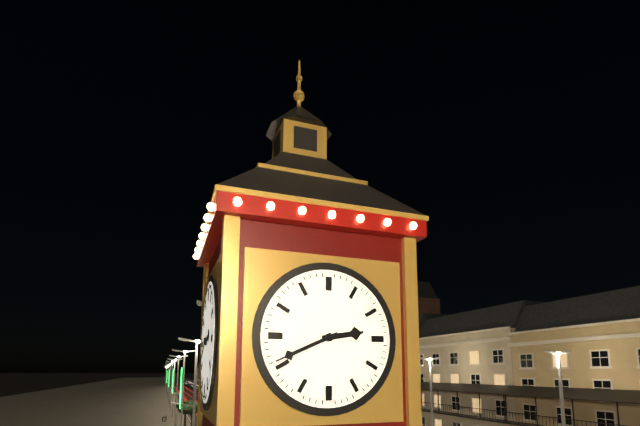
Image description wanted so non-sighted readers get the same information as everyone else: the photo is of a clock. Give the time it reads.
2:41
